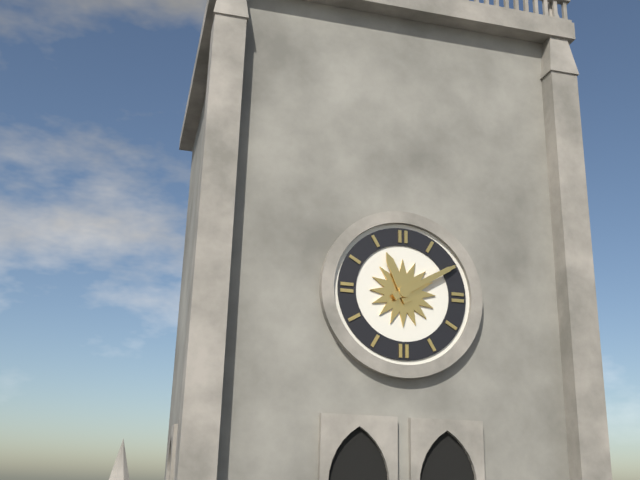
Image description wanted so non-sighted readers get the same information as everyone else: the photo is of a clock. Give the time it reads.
11:10
